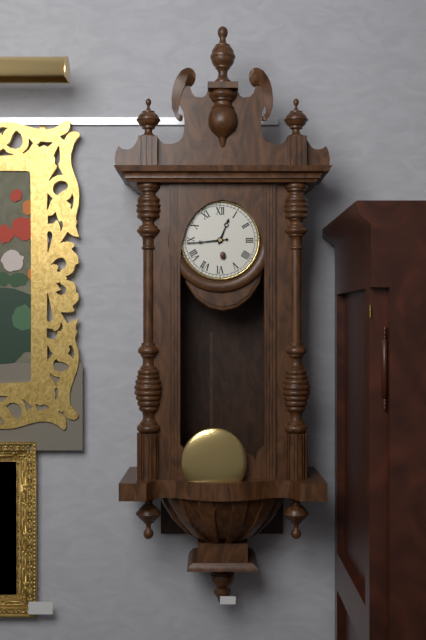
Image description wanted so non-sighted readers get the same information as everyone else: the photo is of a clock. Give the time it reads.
12:44
